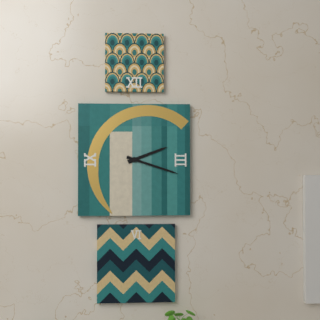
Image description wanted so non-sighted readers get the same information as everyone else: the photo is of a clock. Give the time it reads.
2:18
